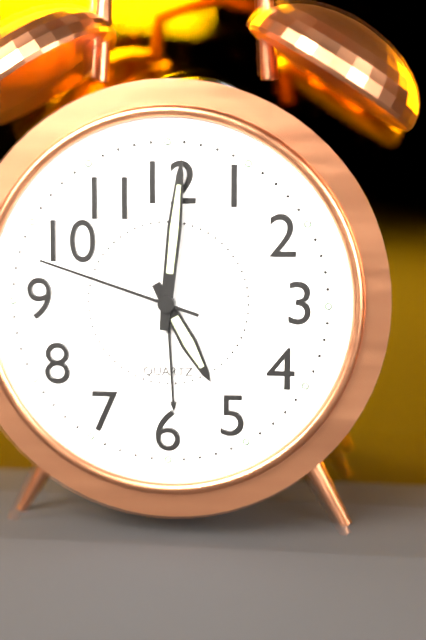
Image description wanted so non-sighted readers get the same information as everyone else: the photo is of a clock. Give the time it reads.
5:01:48
